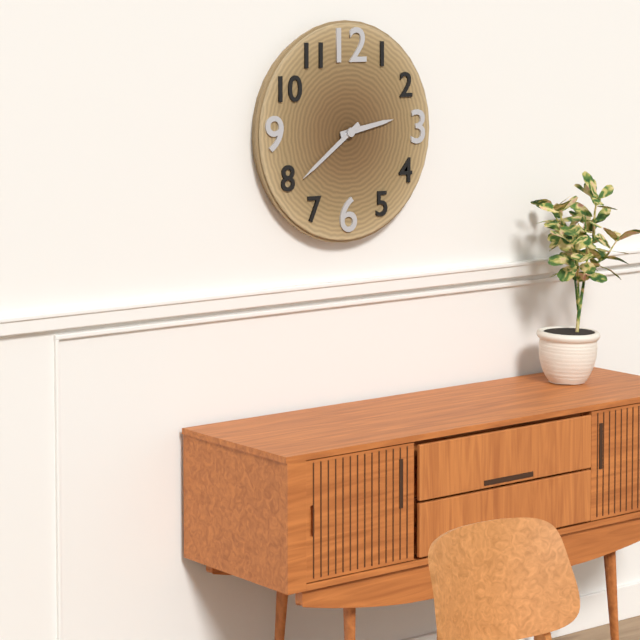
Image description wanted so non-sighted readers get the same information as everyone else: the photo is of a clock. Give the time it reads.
2:39
